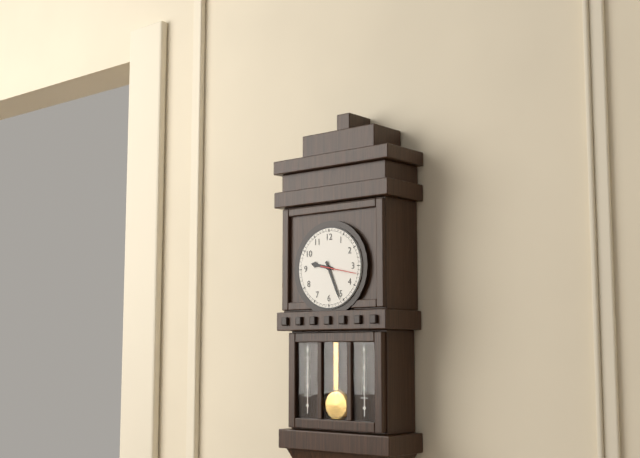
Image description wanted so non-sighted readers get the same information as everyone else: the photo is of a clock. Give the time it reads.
9:26
